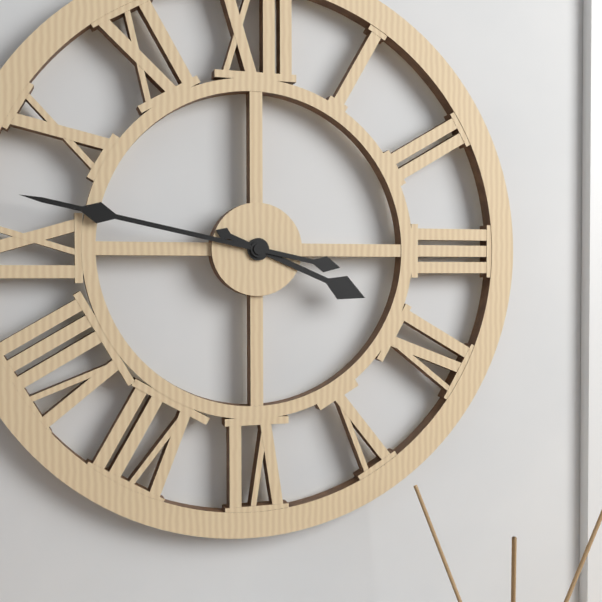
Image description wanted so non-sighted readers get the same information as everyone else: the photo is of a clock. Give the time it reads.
3:47
